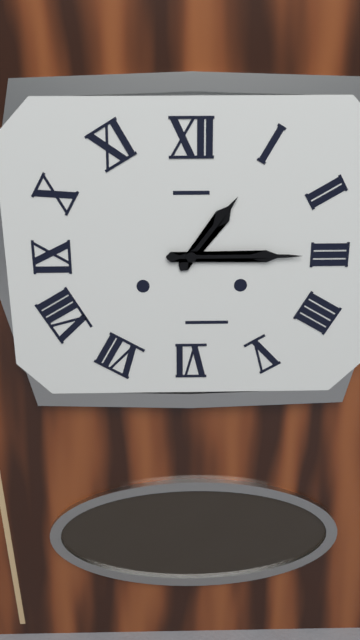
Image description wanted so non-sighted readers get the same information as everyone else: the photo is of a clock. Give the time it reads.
1:15
